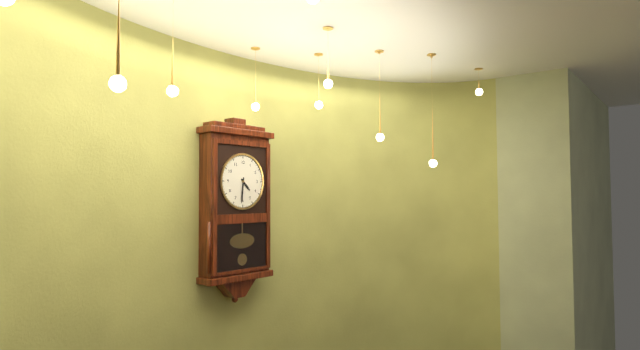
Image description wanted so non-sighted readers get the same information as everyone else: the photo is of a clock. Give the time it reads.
4:31
